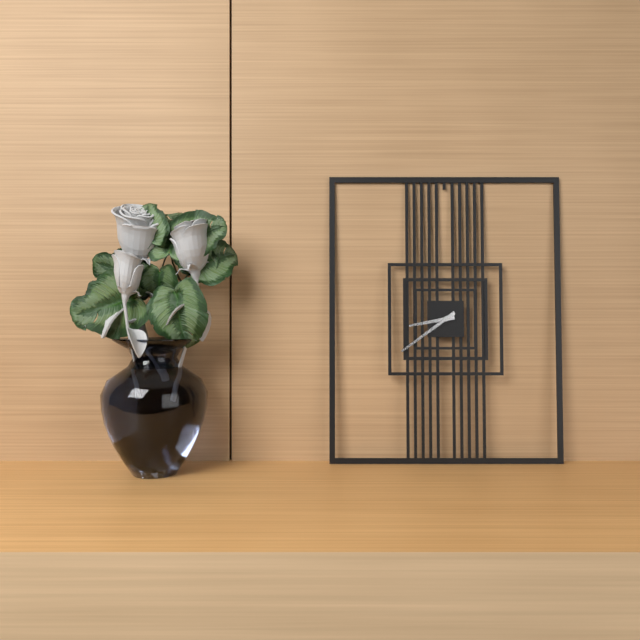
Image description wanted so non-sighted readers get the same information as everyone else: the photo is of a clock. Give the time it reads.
8:39
